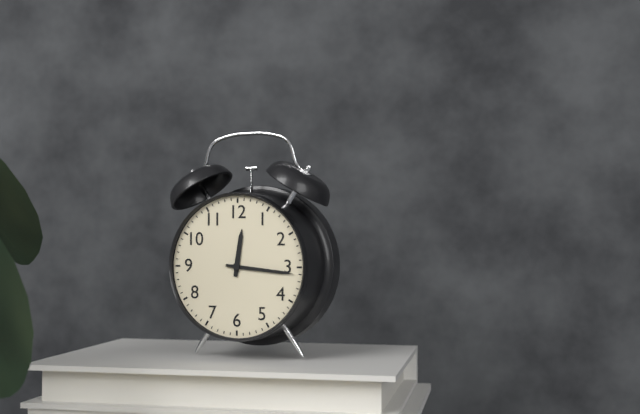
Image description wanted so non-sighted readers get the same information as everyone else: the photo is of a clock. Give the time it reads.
12:16
